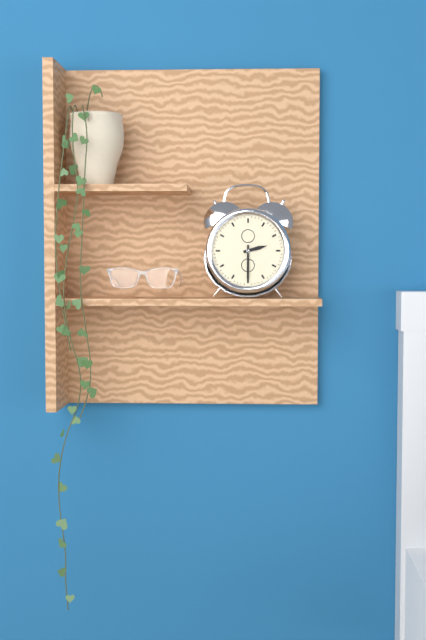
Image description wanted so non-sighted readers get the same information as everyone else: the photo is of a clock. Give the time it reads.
2:30
